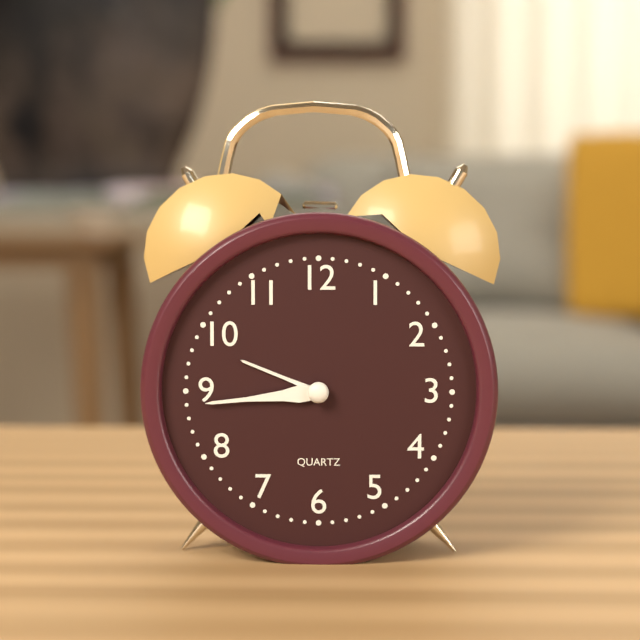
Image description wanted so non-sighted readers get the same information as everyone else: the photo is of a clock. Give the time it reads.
9:44
